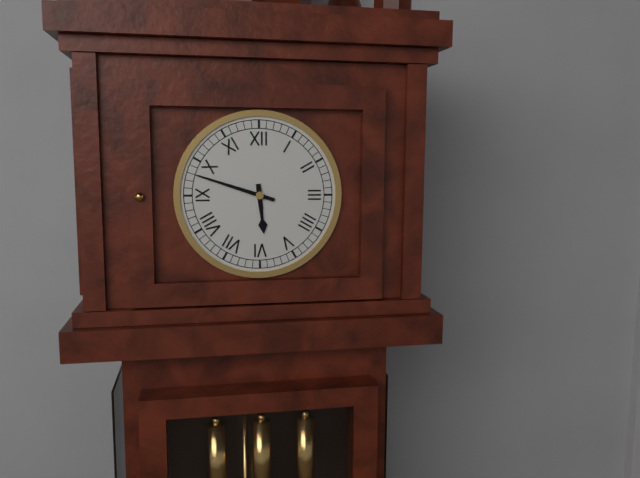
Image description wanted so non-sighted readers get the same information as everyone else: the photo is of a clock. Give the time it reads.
5:48
